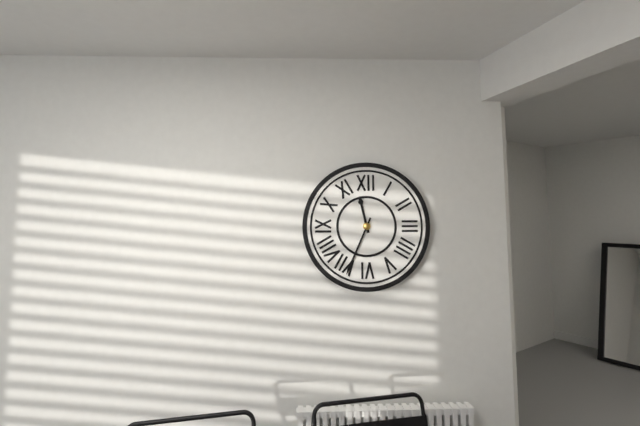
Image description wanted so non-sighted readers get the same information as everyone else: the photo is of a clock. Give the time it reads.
11:34
